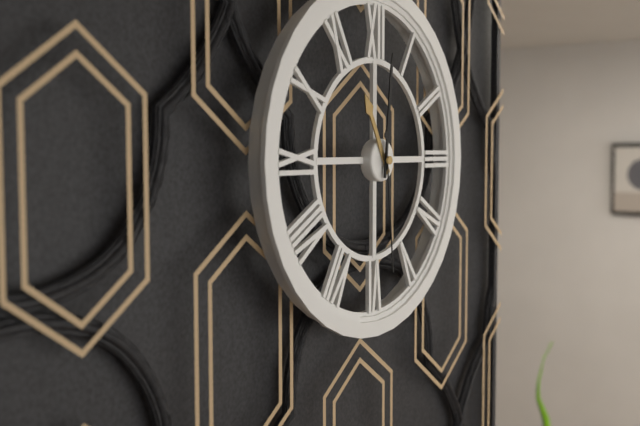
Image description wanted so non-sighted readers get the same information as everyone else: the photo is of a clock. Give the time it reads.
11:01:29
